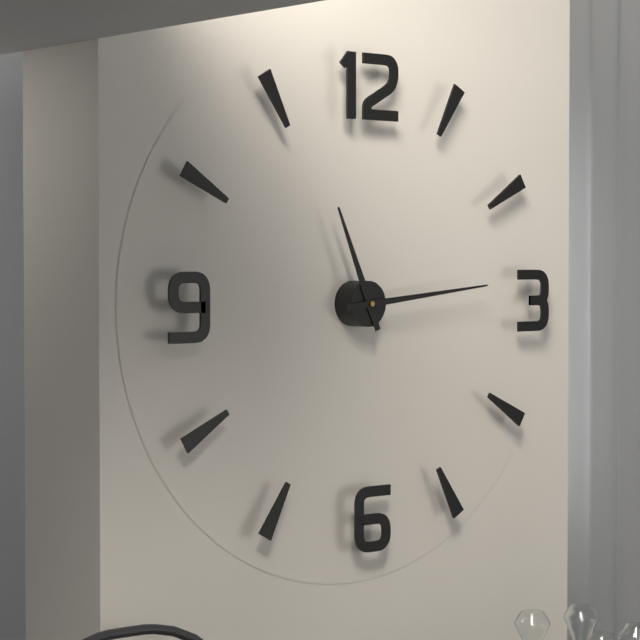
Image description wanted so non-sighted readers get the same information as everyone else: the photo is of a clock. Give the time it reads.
11:14
